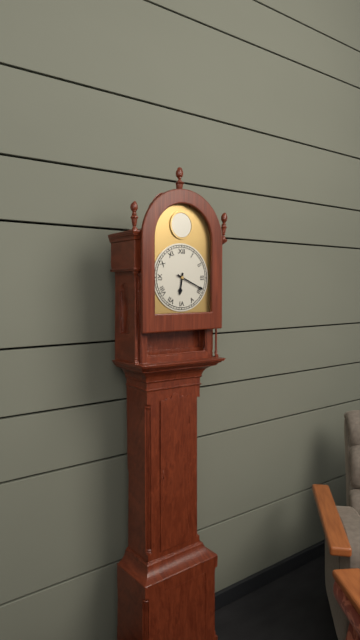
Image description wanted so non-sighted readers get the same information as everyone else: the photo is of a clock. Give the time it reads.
6:19
